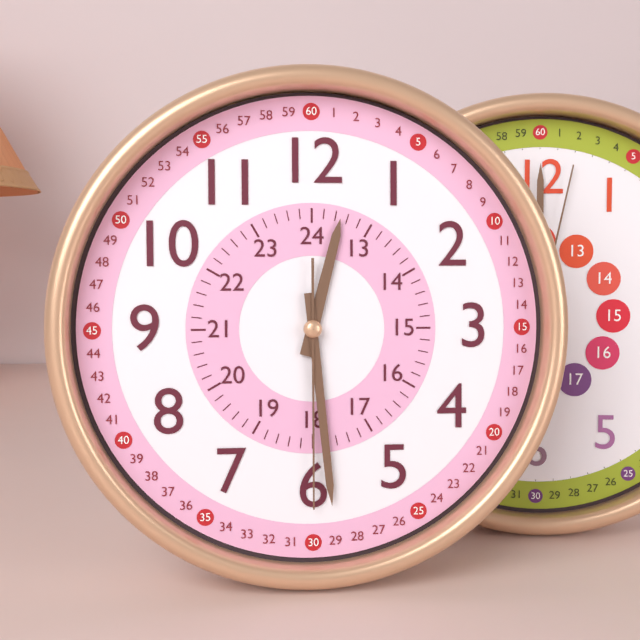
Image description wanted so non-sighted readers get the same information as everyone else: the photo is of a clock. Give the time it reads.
12:29:30
